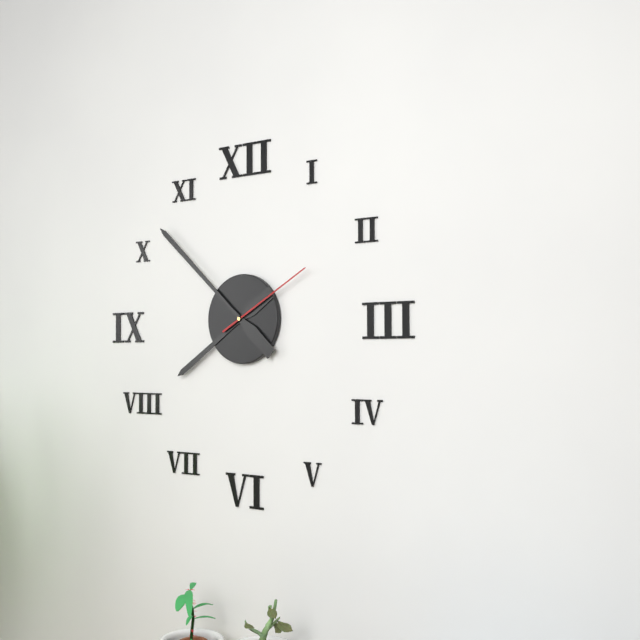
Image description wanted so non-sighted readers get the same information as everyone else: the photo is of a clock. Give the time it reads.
7:52:10
